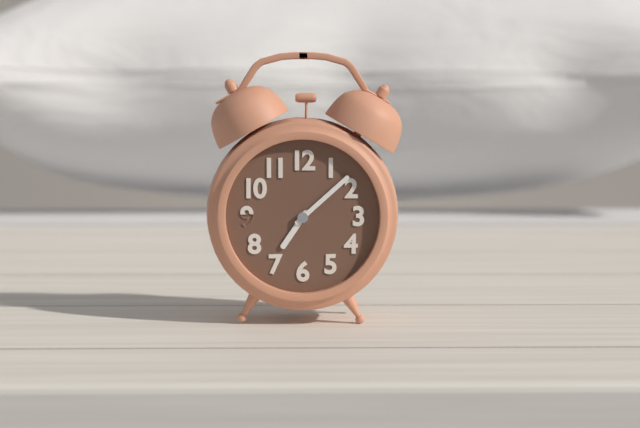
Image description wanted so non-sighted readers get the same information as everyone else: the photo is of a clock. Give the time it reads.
7:08
